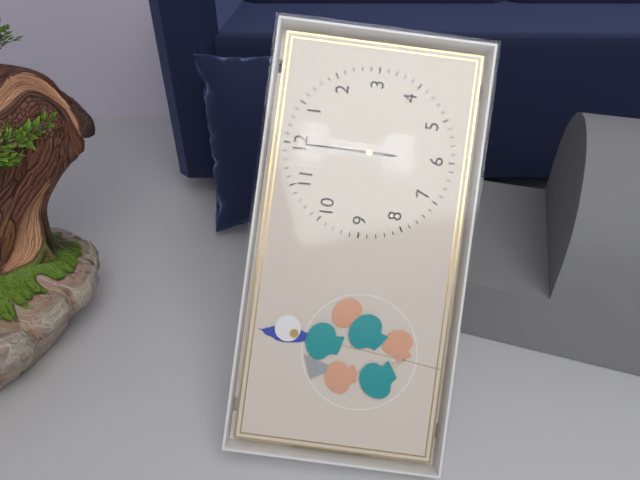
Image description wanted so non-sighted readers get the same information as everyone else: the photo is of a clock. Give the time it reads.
6:00
